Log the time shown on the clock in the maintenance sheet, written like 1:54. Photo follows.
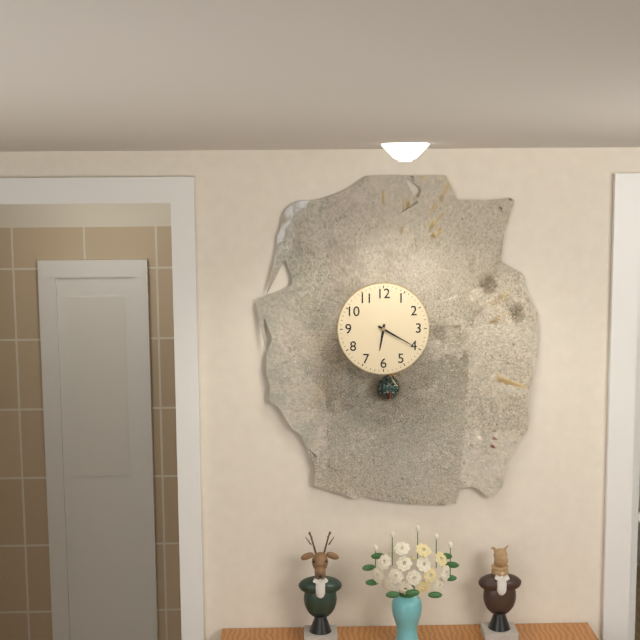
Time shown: 6:20
